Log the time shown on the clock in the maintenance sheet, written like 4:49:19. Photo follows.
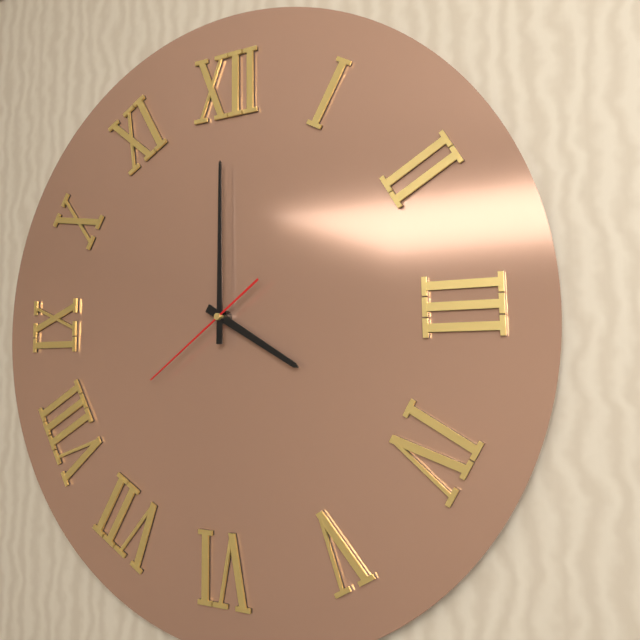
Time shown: 4:00:39
